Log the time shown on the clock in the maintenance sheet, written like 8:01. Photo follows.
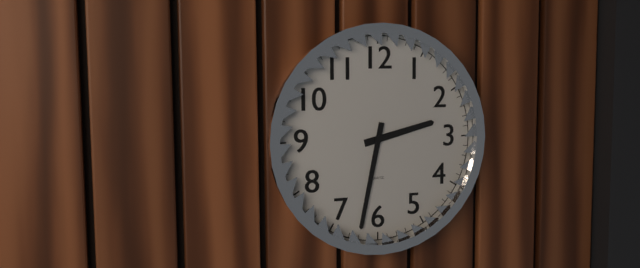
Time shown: 2:32
